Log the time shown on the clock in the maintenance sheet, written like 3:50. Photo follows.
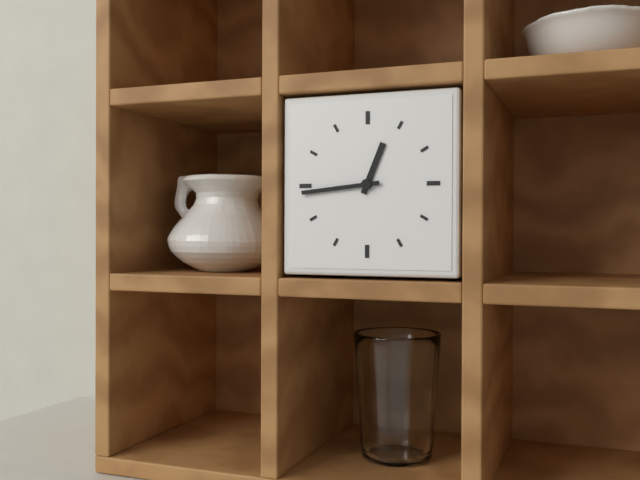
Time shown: 12:44
